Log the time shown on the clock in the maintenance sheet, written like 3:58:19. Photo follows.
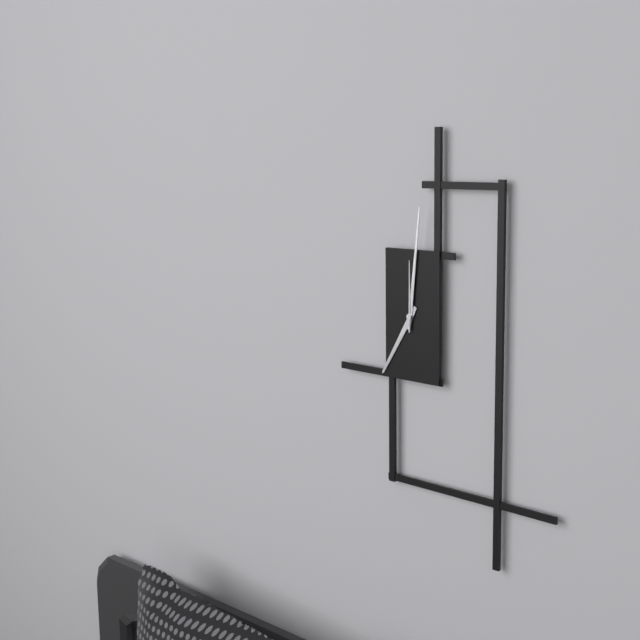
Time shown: 7:01:00
